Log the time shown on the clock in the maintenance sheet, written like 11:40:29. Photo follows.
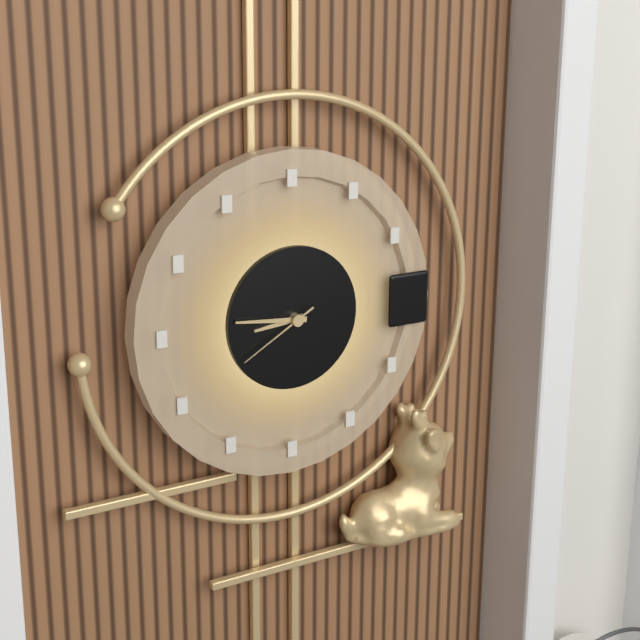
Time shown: 8:46:40
